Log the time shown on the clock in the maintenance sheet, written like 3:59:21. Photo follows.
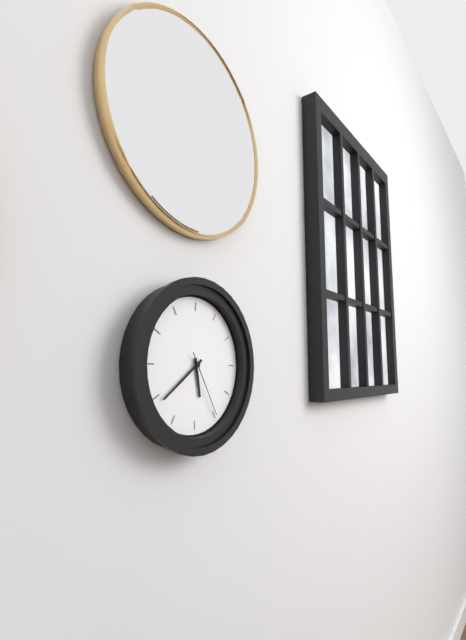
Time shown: 5:39:25
